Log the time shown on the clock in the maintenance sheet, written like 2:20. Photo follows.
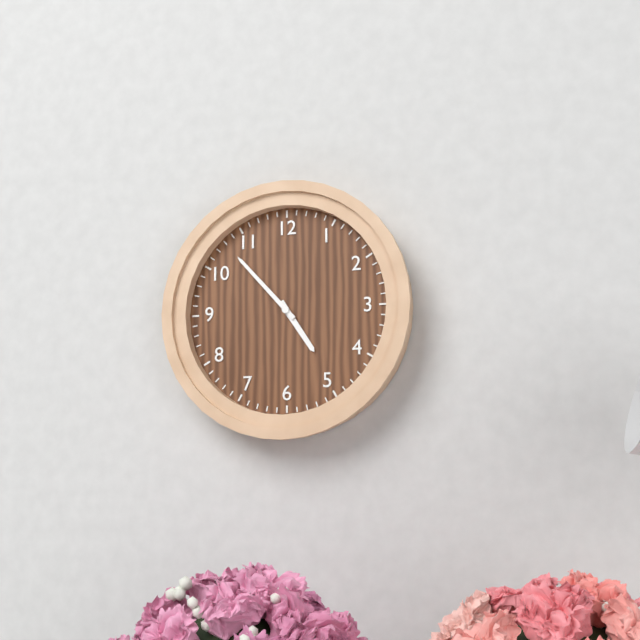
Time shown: 4:53
